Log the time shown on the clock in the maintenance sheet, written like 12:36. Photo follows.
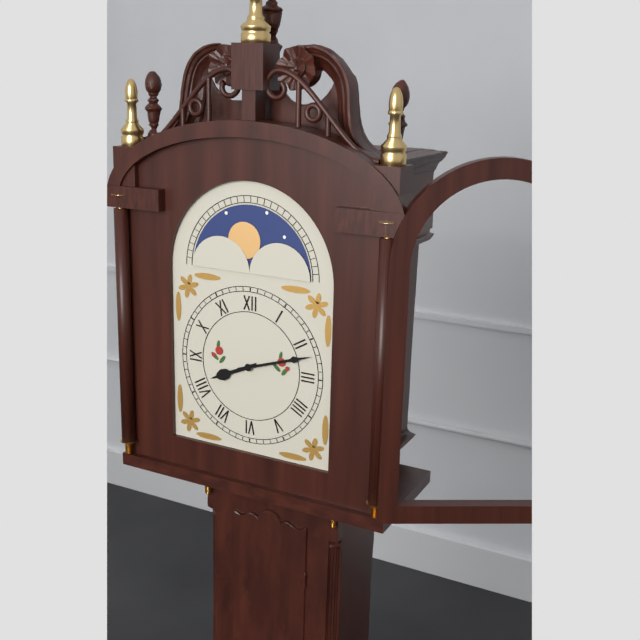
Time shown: 8:12
